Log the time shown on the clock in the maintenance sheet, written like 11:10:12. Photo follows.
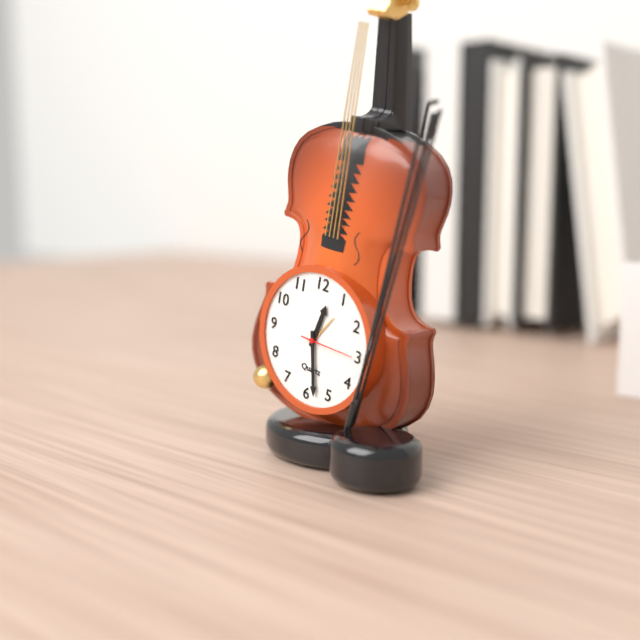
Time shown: 12:28:15
